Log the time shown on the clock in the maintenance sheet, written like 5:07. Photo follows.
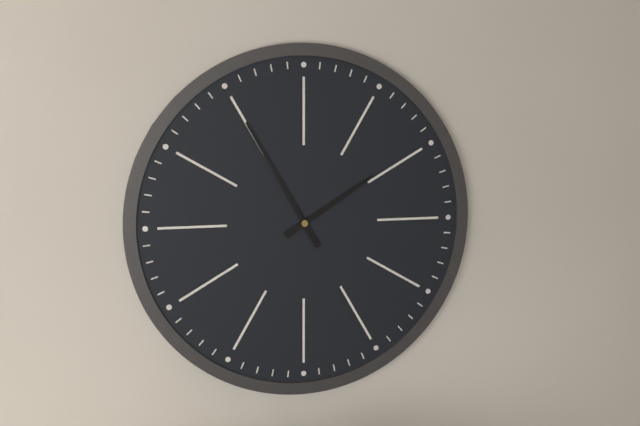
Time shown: 1:55
